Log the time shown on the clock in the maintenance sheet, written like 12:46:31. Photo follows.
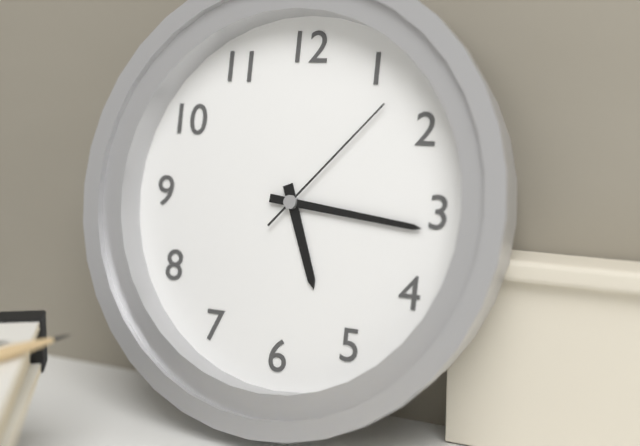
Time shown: 5:16:07
